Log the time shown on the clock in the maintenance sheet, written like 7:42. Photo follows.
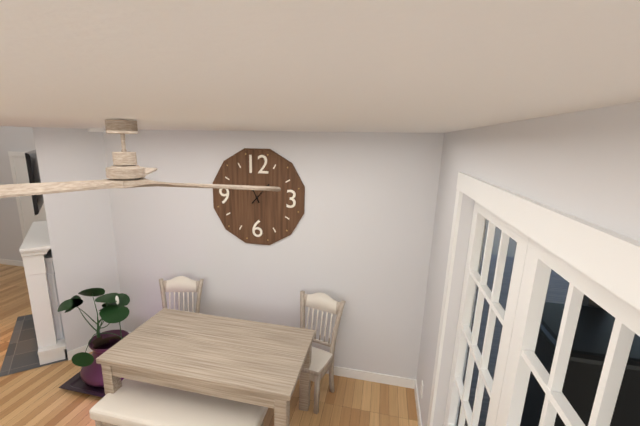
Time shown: 11:07
